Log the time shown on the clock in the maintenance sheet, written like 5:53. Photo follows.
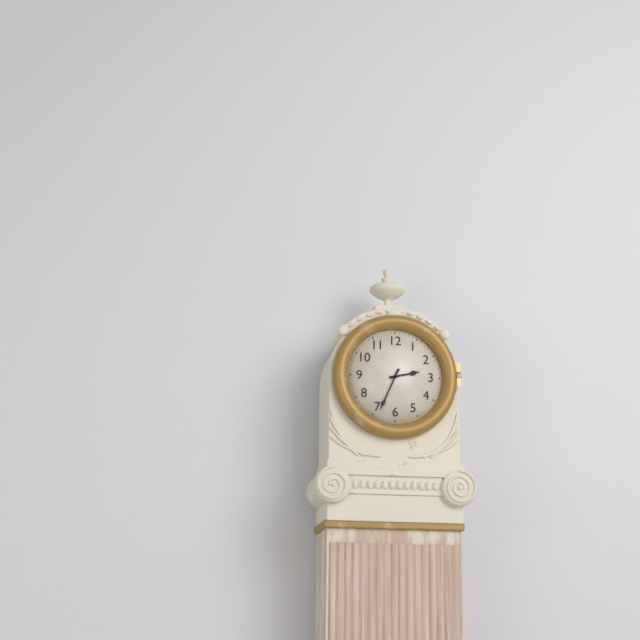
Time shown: 2:34
